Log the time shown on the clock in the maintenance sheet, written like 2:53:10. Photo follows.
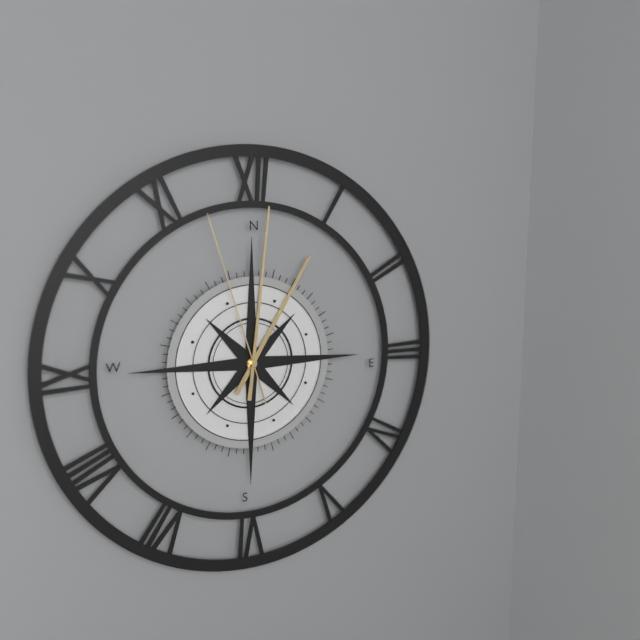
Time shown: 1:01:57
